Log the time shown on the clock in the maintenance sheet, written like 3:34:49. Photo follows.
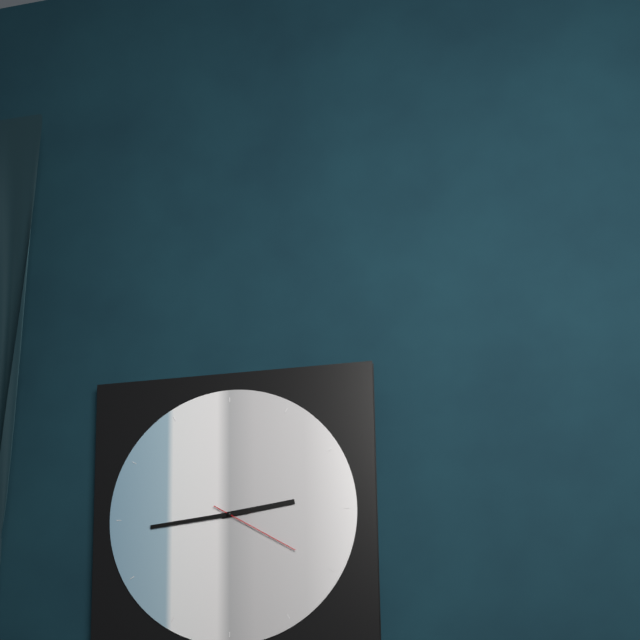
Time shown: 2:44:20
